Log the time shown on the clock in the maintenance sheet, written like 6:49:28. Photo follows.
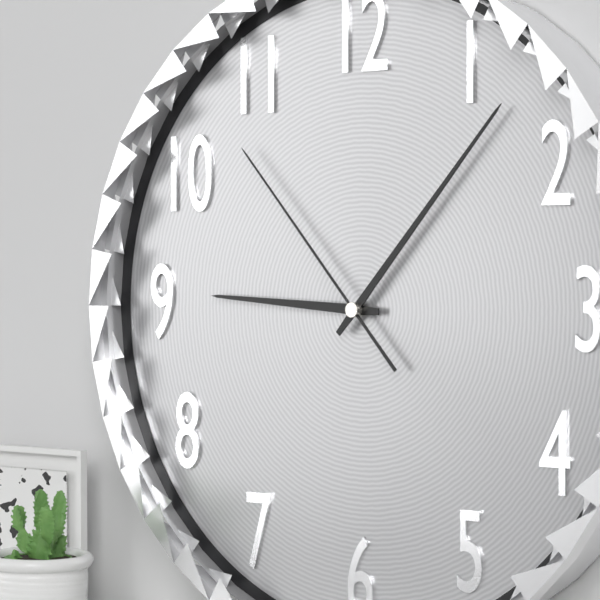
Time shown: 9:07:53
